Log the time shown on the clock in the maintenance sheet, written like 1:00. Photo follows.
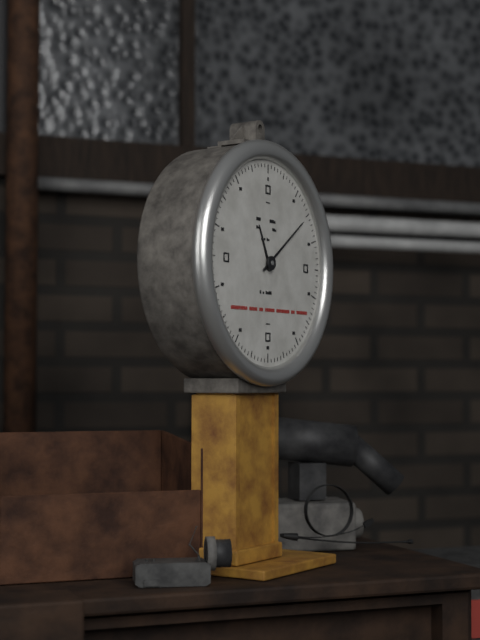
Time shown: 11:09
